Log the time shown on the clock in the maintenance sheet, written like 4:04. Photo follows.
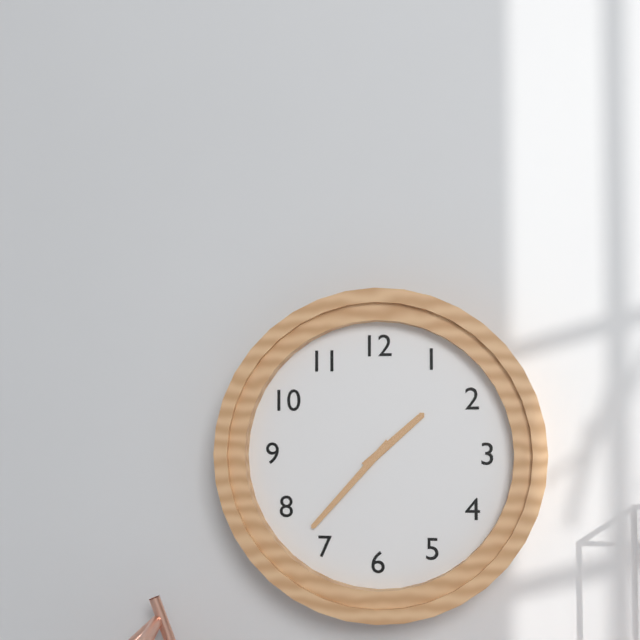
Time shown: 1:37
